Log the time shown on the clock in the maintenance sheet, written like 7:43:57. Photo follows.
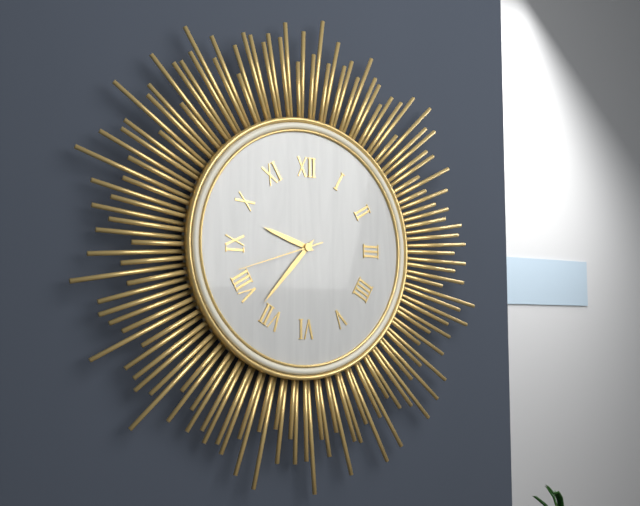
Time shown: 9:37:42
